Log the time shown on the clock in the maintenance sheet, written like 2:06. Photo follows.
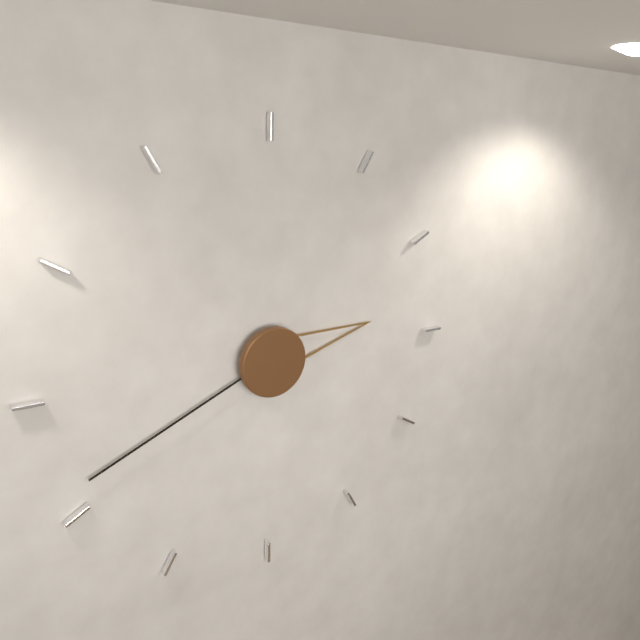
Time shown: 2:41
